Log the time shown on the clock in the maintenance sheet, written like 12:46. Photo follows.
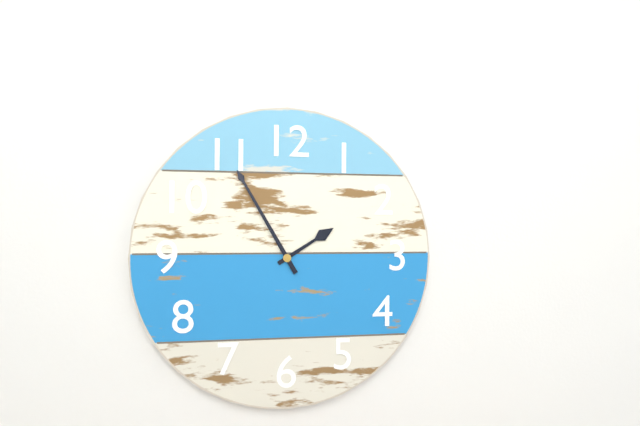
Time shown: 1:55
